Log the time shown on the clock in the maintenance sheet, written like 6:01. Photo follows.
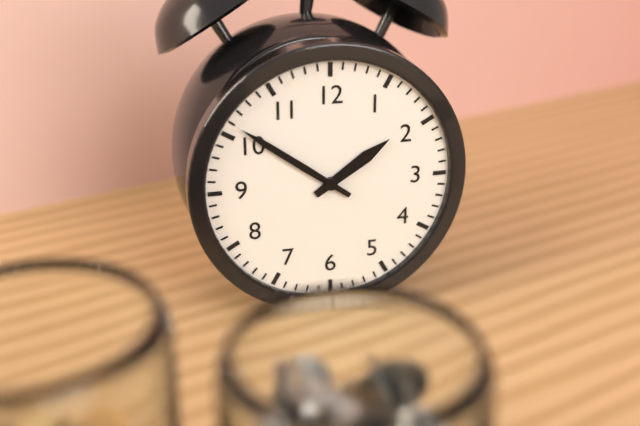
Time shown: 1:51
